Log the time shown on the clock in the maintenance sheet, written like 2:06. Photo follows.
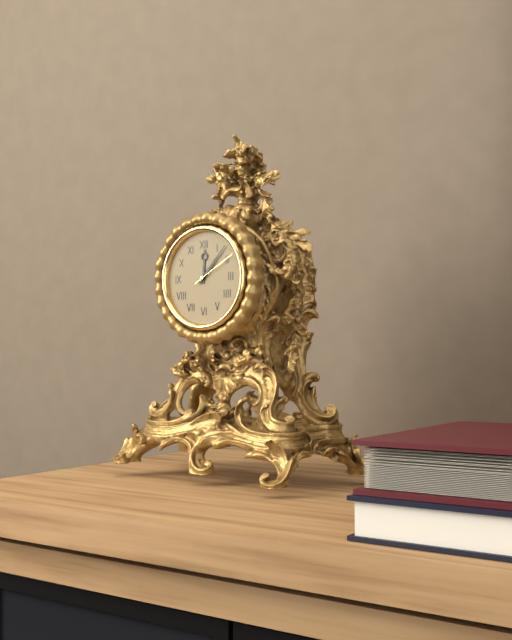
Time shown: 12:07
